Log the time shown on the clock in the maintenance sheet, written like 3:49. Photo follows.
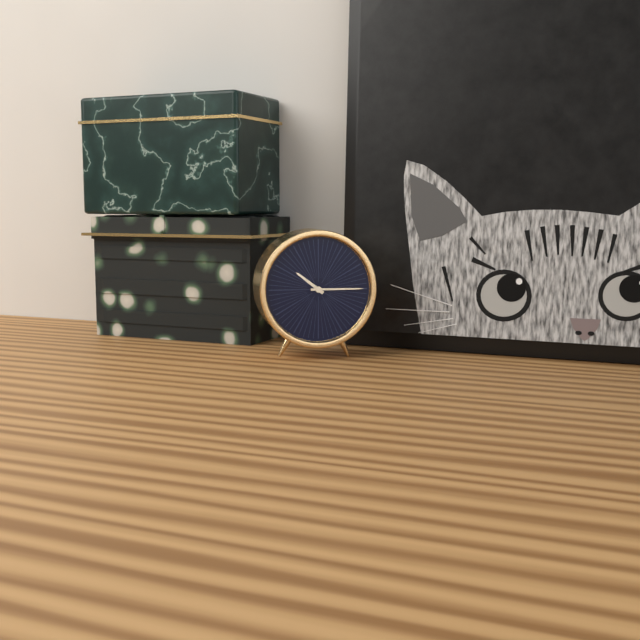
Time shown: 10:15
